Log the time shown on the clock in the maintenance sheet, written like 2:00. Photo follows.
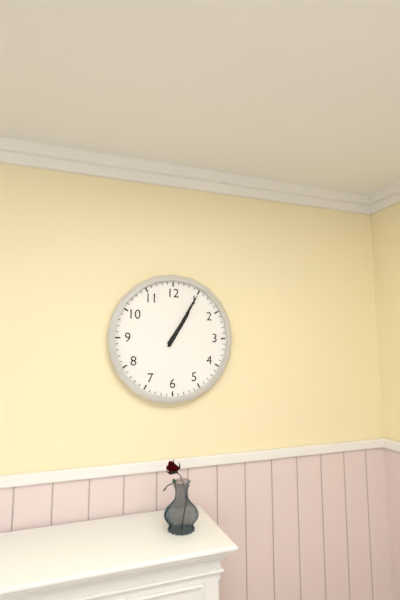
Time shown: 1:05
